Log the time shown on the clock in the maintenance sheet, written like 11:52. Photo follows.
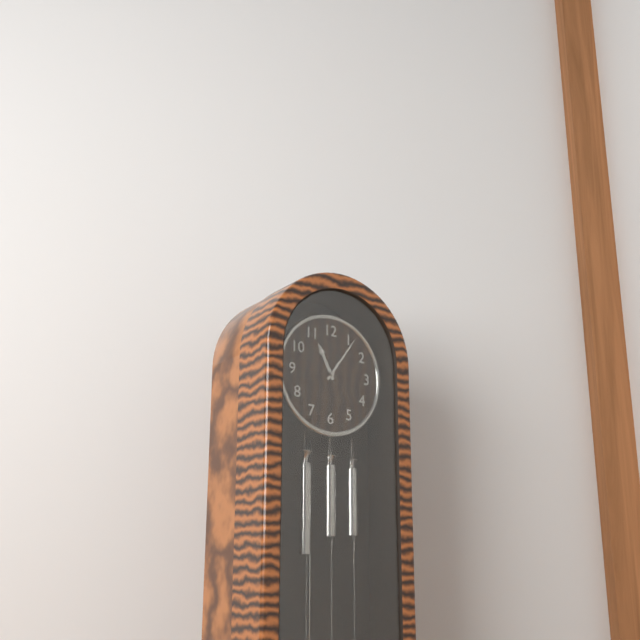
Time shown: 11:06
